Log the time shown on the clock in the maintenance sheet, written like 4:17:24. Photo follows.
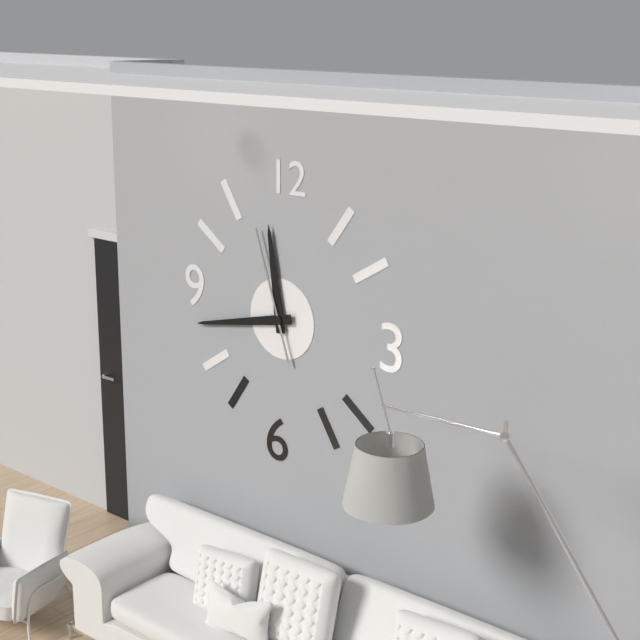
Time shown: 11:43:57
